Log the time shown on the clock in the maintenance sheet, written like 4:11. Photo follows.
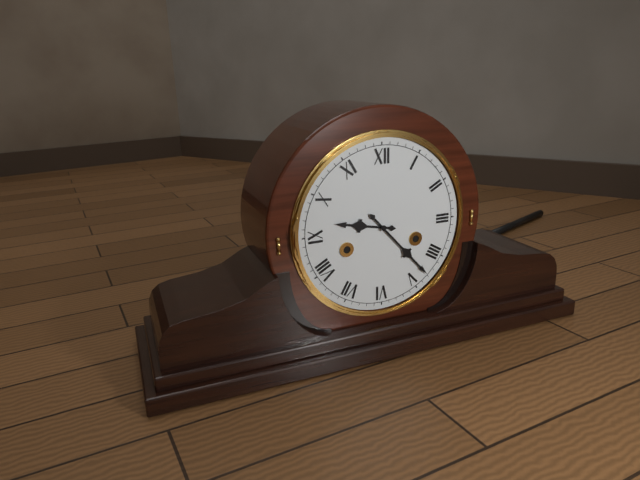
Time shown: 9:23
